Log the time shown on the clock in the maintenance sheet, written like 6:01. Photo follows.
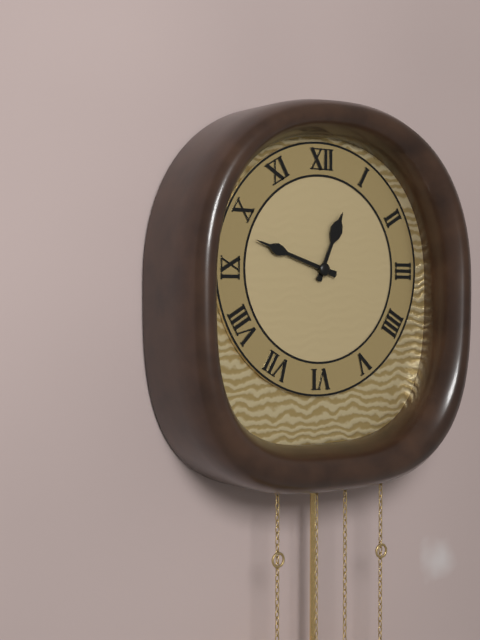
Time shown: 12:48
